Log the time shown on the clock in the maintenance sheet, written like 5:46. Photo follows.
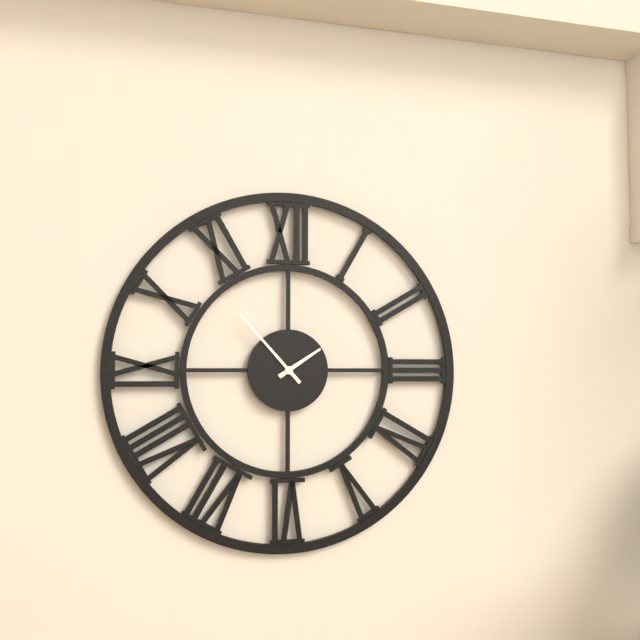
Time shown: 1:53
